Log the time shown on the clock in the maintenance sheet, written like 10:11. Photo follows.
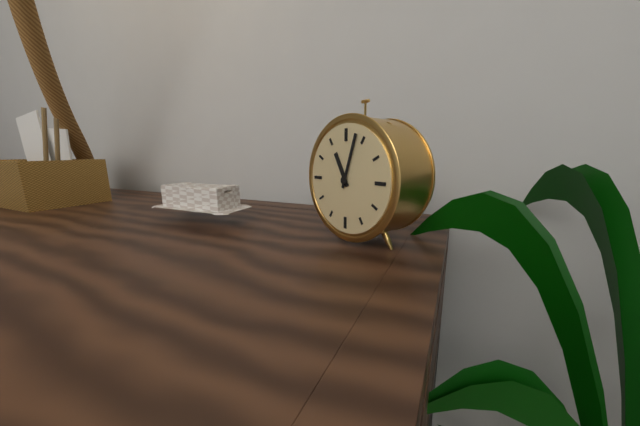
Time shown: 11:03
